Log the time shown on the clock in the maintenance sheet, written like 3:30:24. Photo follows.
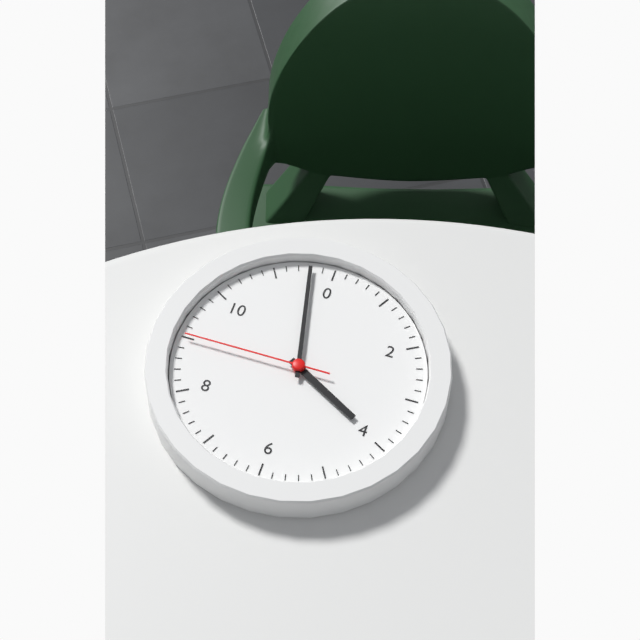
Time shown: 3:58:45
